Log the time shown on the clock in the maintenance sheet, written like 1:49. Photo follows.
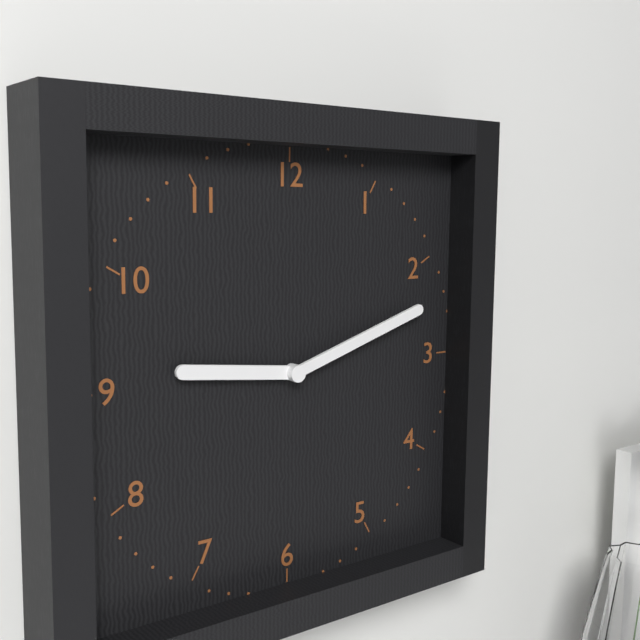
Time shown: 9:12
